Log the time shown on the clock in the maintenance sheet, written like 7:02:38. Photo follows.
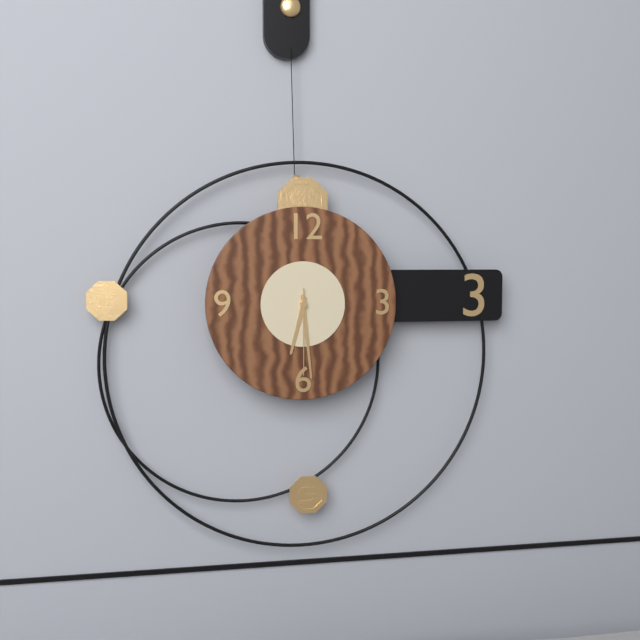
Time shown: 6:29:30
